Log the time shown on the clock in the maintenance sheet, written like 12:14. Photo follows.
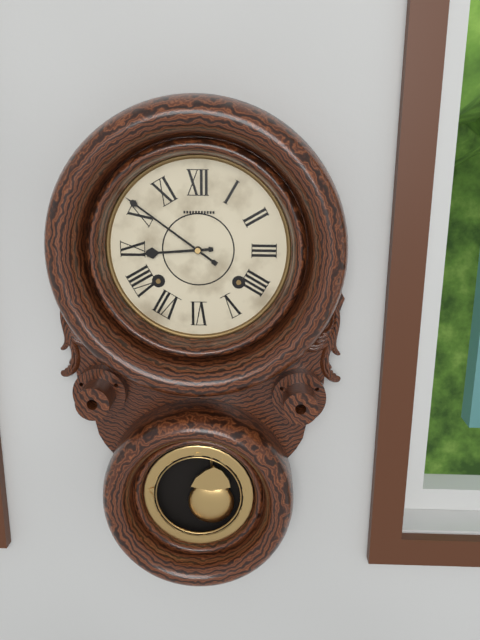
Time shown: 8:51
